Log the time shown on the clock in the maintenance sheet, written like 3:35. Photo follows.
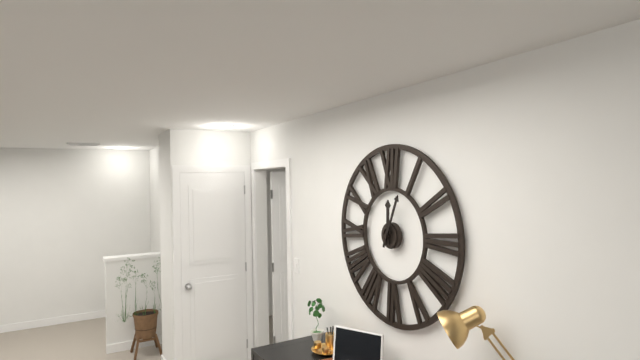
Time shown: 12:04
